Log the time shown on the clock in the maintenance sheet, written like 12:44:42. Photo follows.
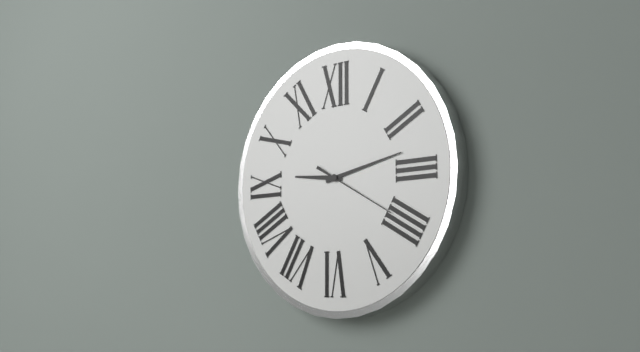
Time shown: 9:13:20
